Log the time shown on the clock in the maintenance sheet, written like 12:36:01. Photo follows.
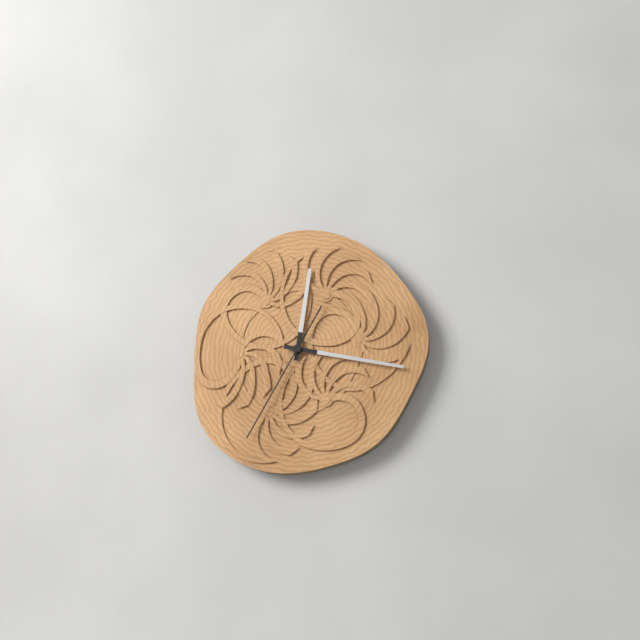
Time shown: 12:17:35
